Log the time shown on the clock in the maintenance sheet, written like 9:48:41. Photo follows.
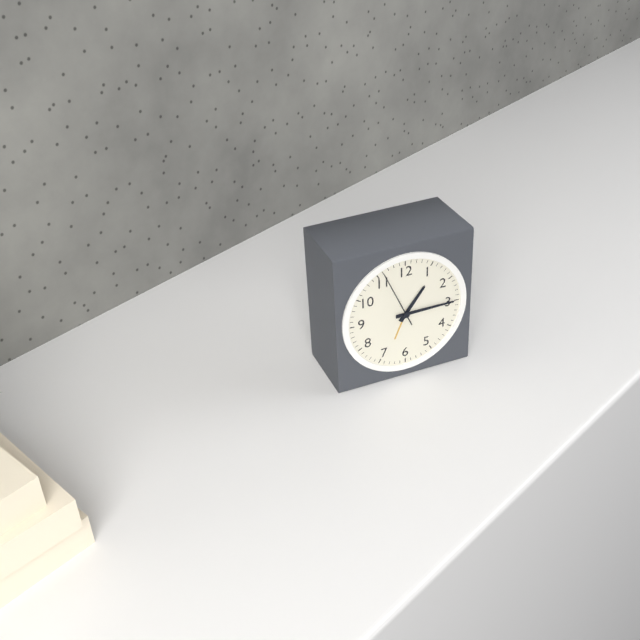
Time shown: 1:15:56
